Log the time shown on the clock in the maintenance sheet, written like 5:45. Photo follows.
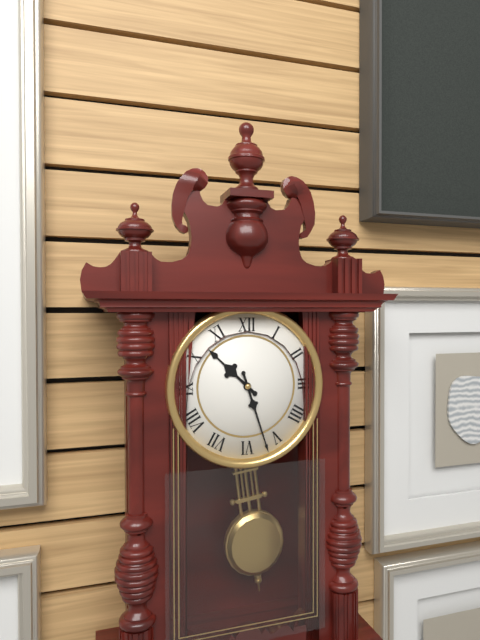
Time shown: 10:27
